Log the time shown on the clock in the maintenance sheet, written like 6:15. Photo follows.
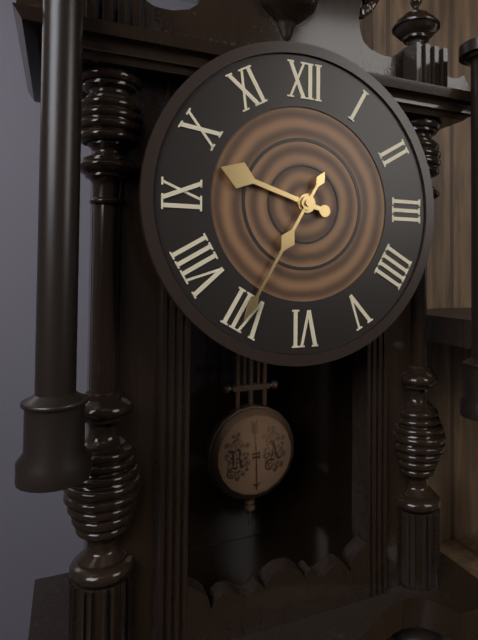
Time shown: 9:35
